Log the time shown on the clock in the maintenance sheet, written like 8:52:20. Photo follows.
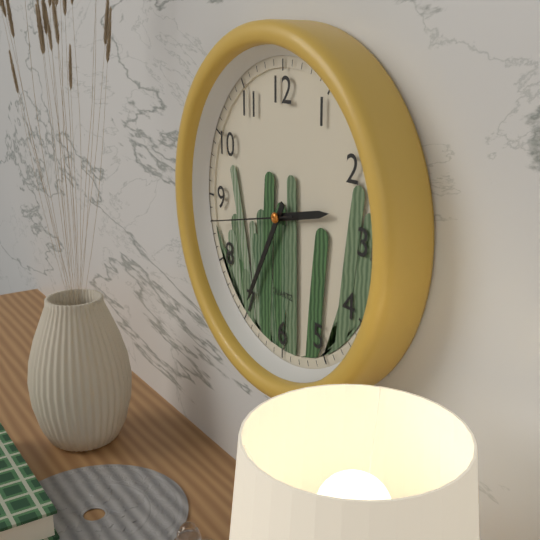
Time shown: 2:35:43
